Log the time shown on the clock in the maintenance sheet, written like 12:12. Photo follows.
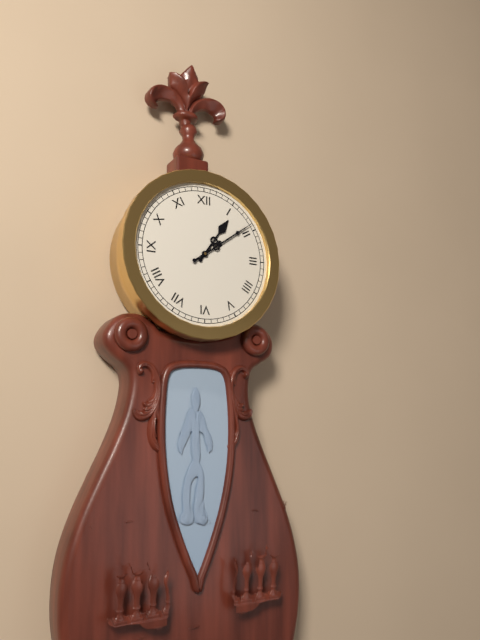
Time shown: 1:09
